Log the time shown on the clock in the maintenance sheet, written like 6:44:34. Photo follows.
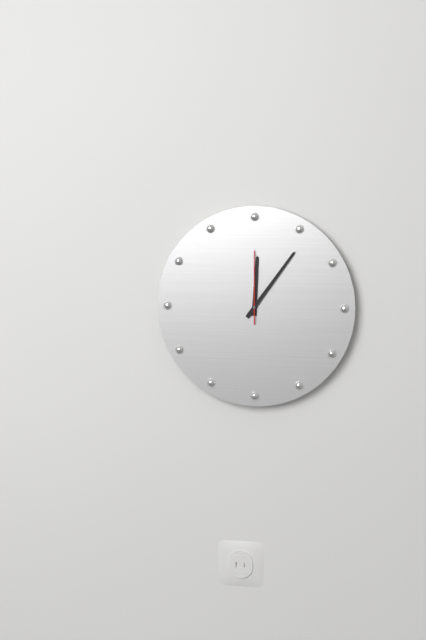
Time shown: 12:06:00
